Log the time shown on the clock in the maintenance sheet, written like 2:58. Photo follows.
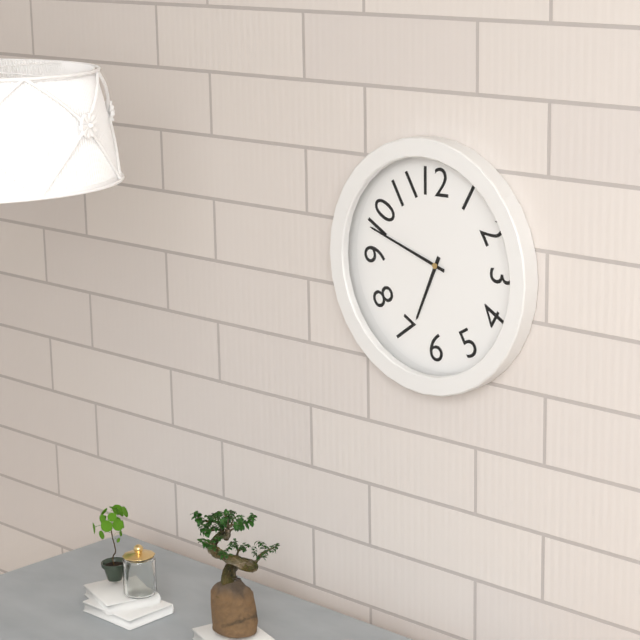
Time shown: 6:48
